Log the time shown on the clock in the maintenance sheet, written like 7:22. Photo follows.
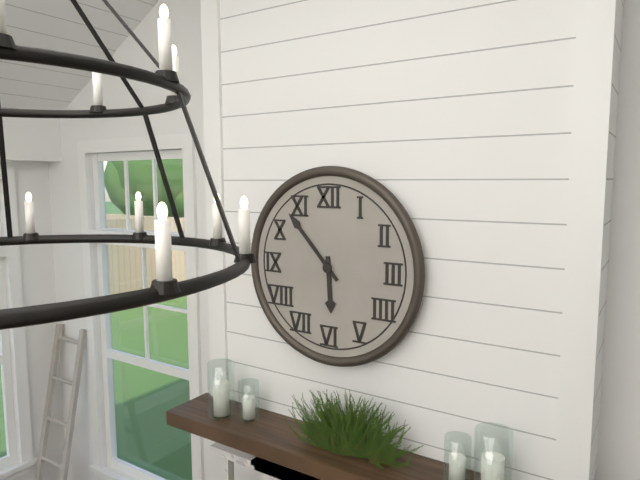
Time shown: 5:53
